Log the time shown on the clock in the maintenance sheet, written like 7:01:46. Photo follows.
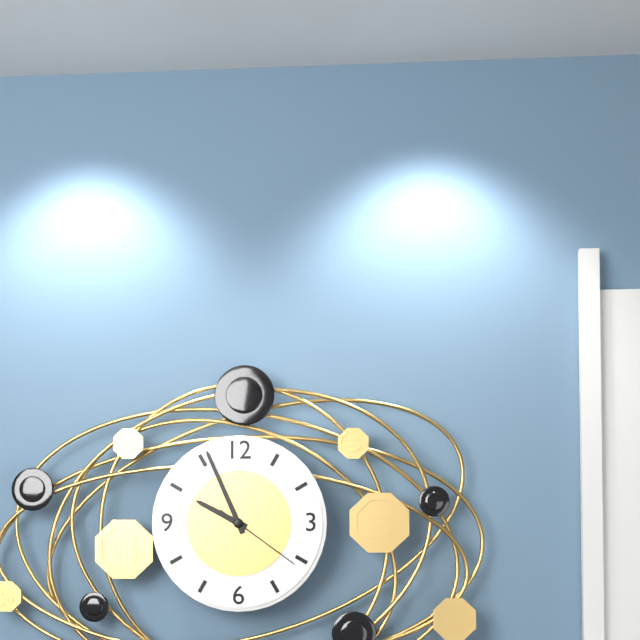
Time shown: 9:56:21
